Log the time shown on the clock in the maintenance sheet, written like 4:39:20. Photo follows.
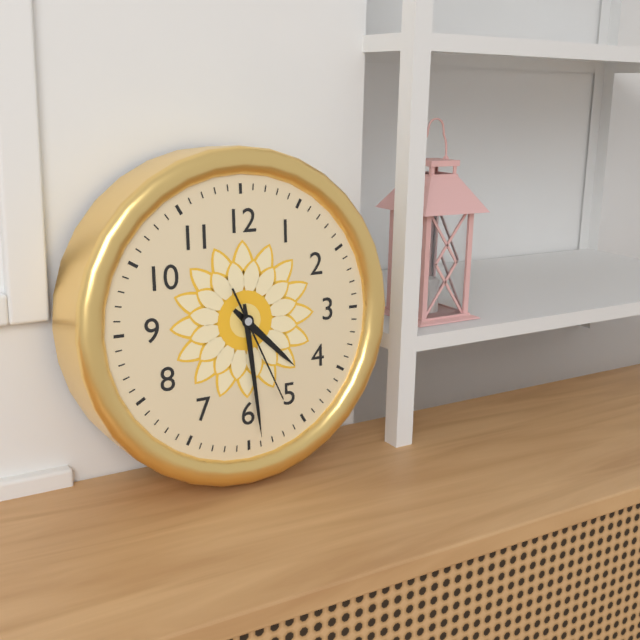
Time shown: 4:29:26
